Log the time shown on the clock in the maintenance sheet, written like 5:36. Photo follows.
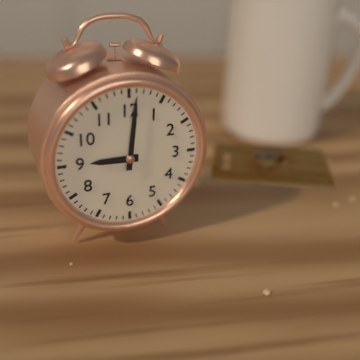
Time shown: 9:01
